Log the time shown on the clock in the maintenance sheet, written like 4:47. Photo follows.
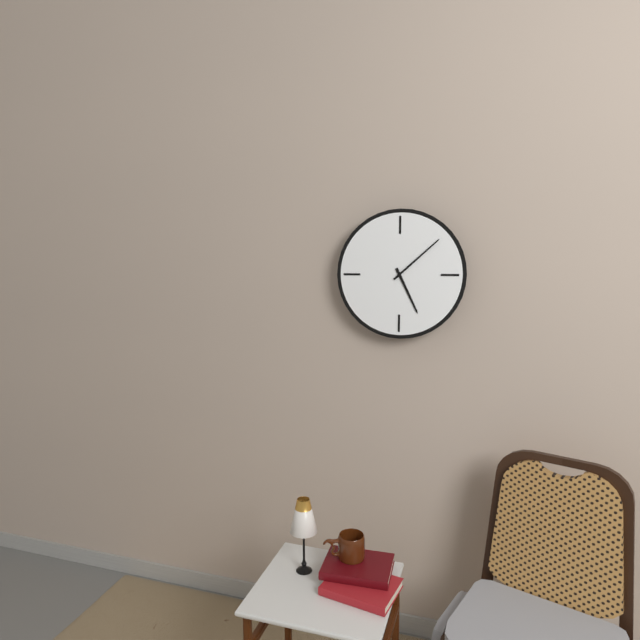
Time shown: 5:08
